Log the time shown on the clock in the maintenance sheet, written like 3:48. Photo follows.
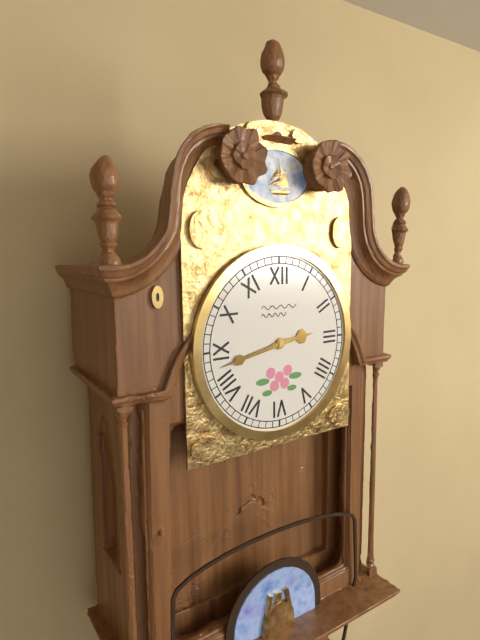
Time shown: 2:43
